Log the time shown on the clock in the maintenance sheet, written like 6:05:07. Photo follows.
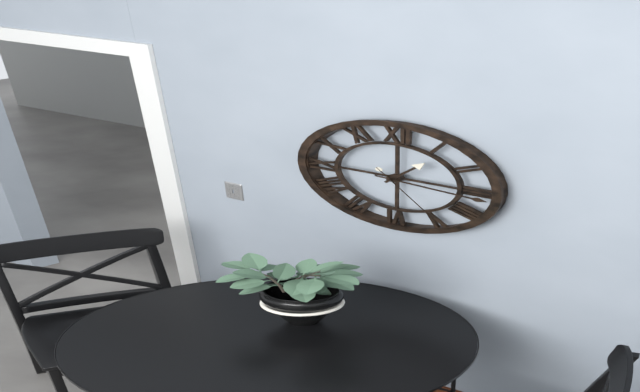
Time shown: 1:16:24
